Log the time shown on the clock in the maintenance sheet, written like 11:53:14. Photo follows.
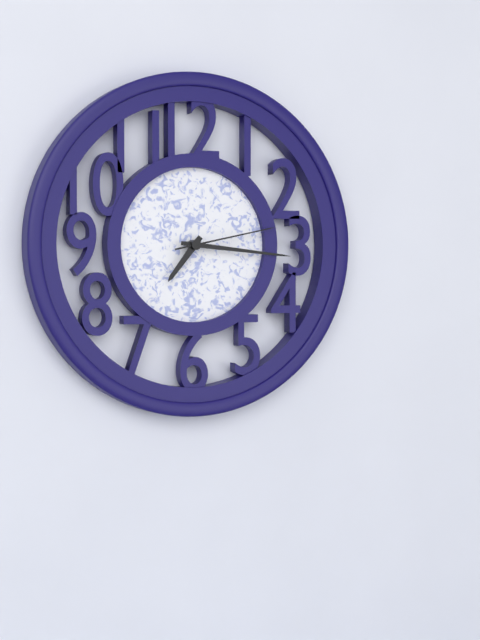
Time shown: 7:16:13
